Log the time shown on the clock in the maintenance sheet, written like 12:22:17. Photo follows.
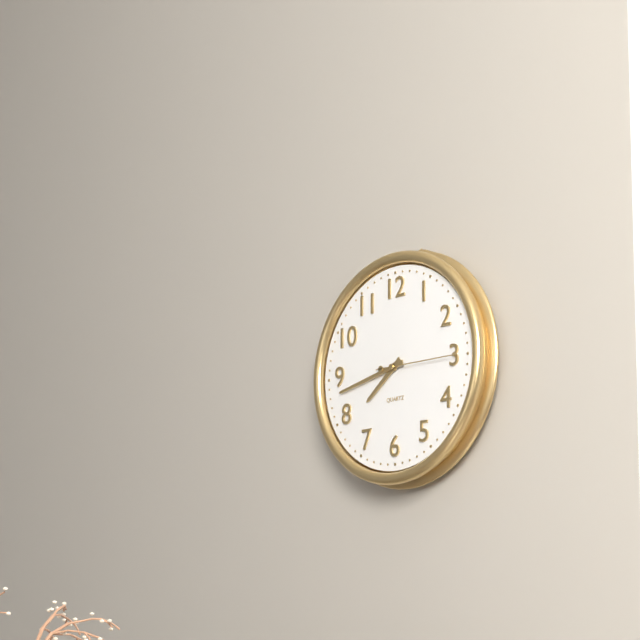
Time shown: 7:43:15
